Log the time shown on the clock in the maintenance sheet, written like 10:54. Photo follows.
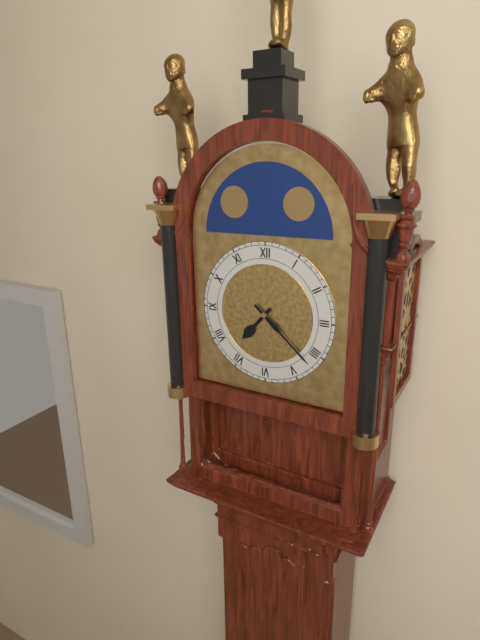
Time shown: 7:22
